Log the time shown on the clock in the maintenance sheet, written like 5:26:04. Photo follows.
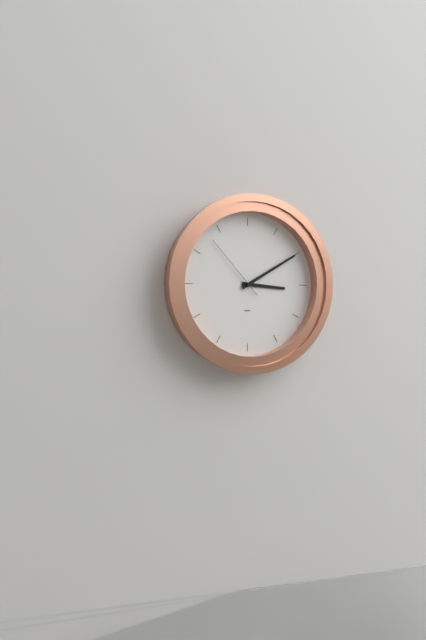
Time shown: 3:10:53
